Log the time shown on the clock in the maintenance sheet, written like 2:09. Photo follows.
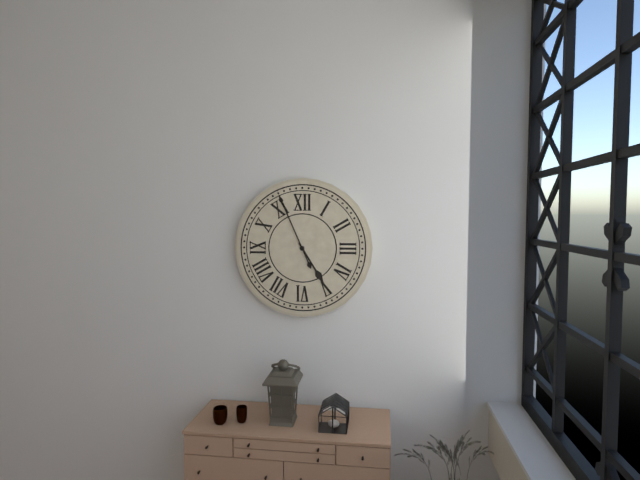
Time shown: 4:56
